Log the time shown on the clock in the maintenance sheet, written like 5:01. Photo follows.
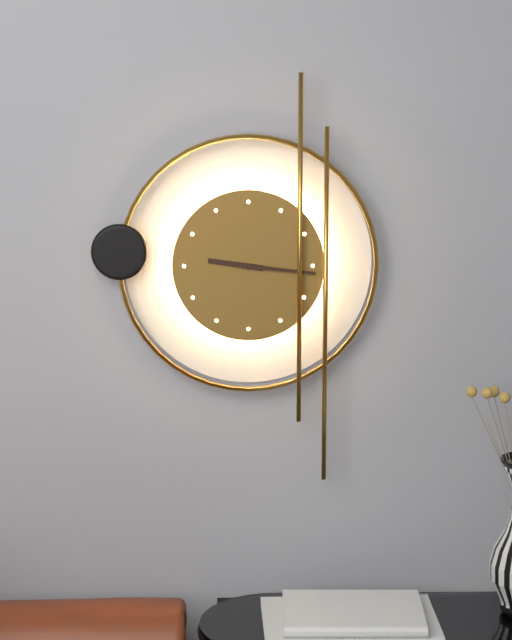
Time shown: 9:16
